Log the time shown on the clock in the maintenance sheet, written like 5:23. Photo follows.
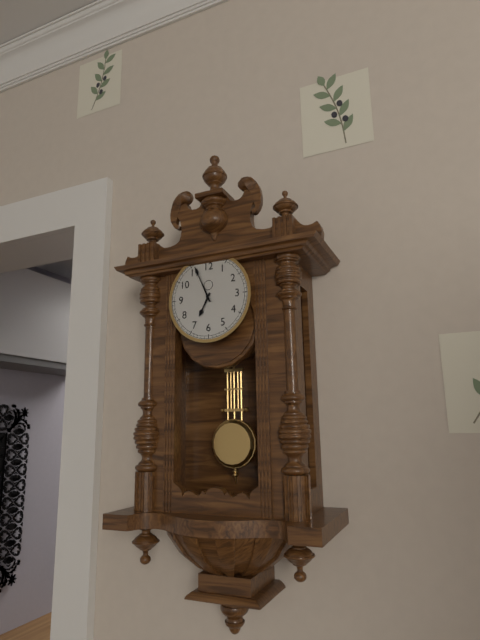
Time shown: 6:56
